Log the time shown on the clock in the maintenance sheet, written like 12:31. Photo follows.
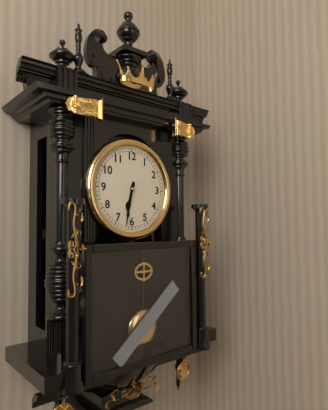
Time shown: 6:32
